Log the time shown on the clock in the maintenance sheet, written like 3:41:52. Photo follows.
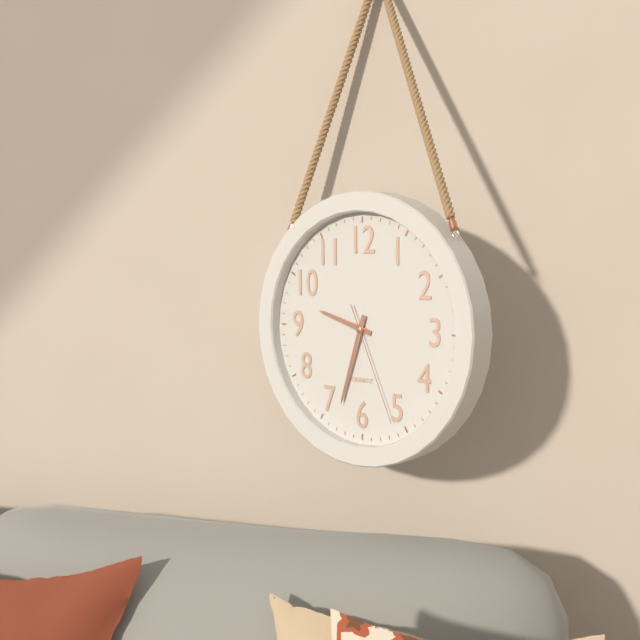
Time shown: 9:33:26
